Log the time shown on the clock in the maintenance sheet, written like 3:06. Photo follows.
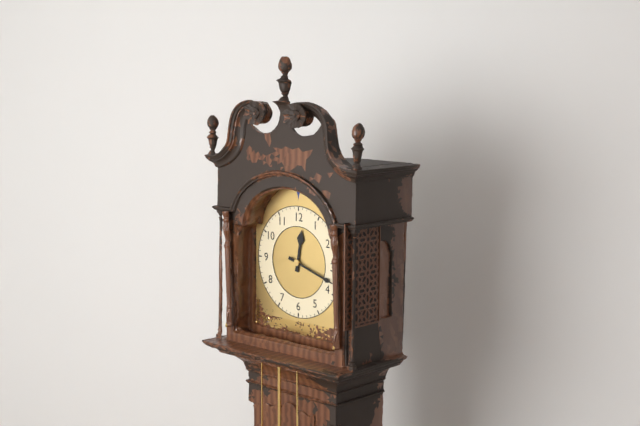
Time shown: 12:18
